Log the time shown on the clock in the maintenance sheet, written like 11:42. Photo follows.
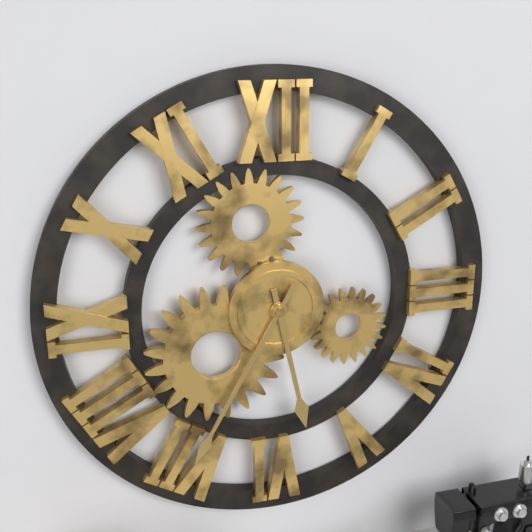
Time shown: 5:35
